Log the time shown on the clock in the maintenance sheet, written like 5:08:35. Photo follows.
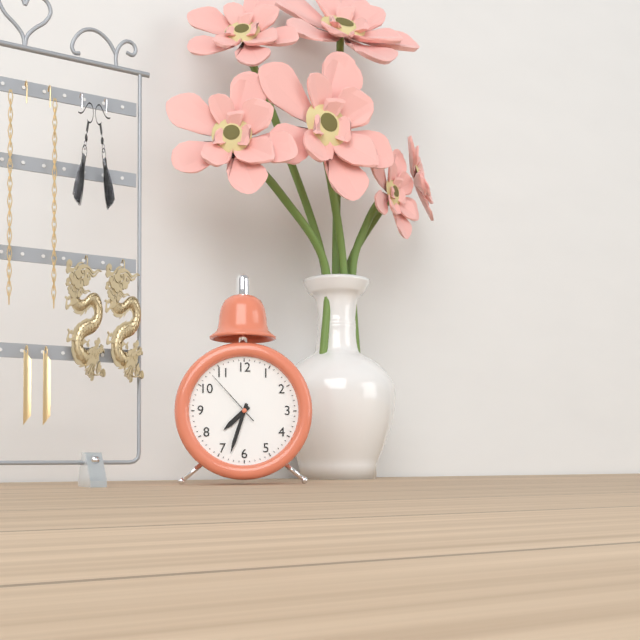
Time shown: 7:33:53
